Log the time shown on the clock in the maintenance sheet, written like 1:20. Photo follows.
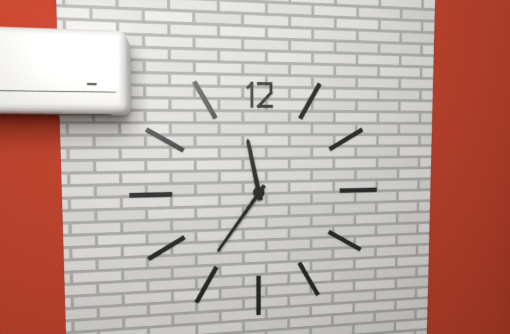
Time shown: 11:36
